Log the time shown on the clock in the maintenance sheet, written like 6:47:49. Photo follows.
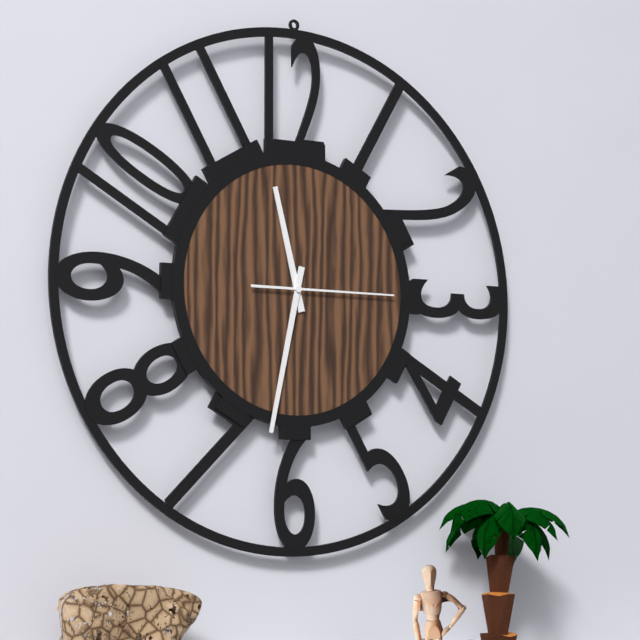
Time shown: 11:32:15
